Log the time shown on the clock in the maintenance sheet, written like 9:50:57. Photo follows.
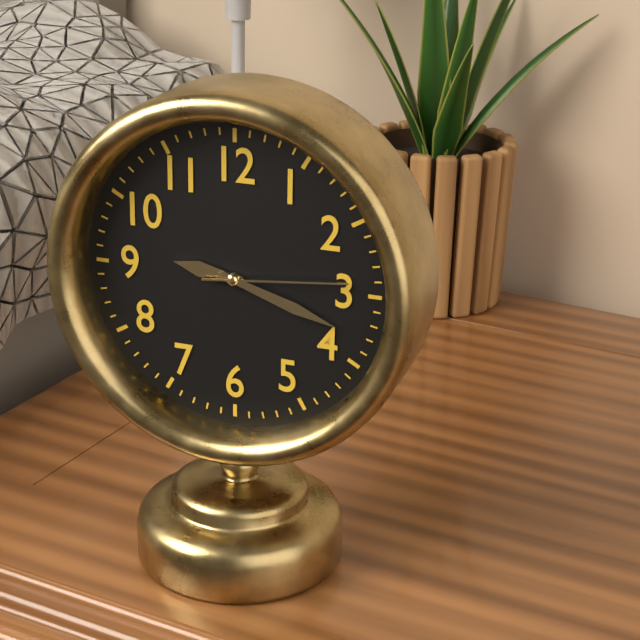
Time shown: 9:18:14
